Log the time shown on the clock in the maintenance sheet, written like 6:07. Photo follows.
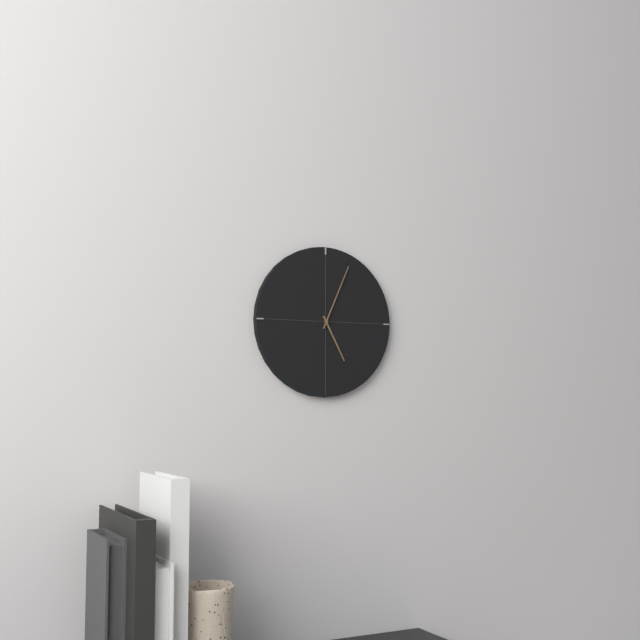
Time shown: 5:04
